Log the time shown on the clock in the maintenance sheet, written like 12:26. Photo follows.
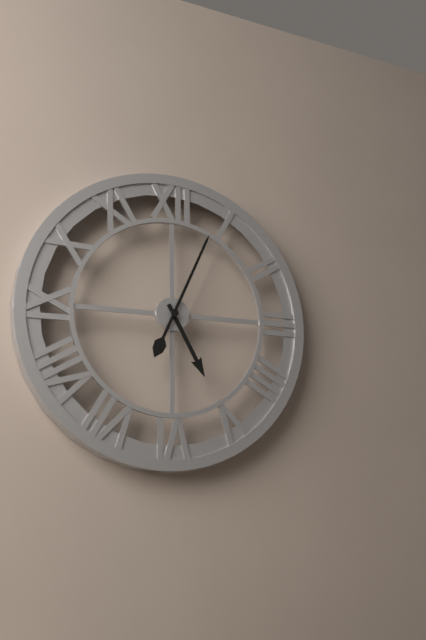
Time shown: 5:04
